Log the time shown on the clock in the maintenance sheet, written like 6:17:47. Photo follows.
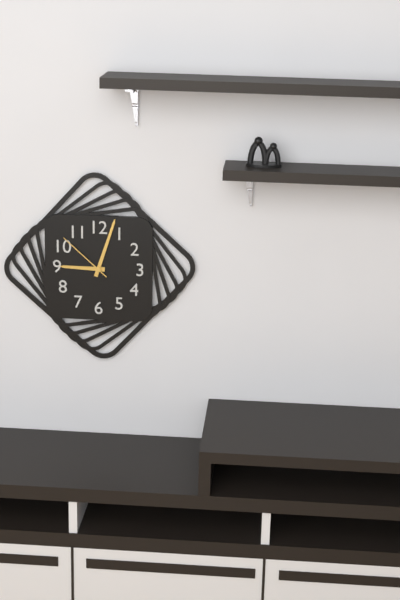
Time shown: 9:03:52
